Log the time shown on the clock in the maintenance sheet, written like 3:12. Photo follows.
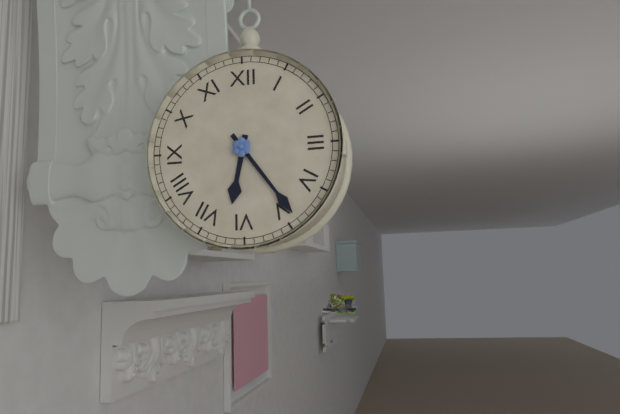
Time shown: 6:24
